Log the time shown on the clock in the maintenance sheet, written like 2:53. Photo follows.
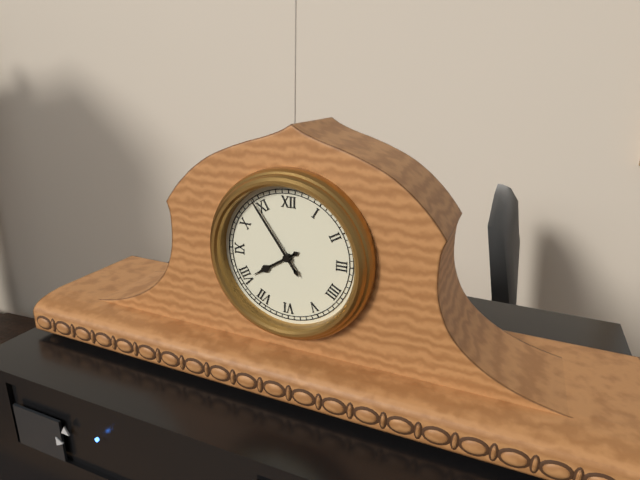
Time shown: 7:54
